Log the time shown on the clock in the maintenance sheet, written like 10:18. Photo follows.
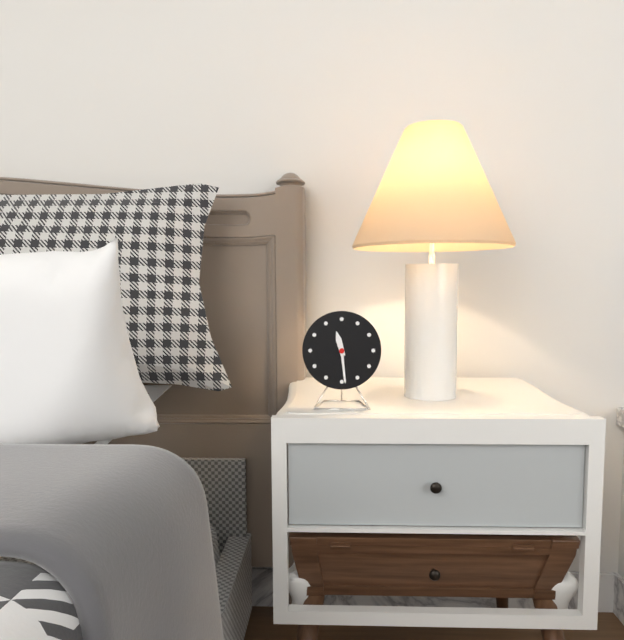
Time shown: 11:29
